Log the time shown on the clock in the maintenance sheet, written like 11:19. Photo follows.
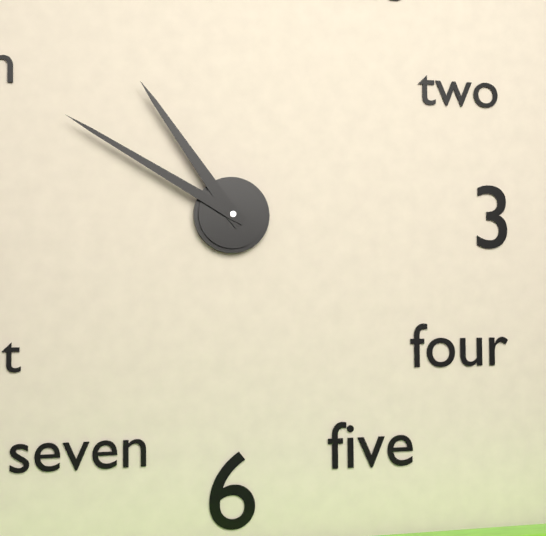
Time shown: 10:50
